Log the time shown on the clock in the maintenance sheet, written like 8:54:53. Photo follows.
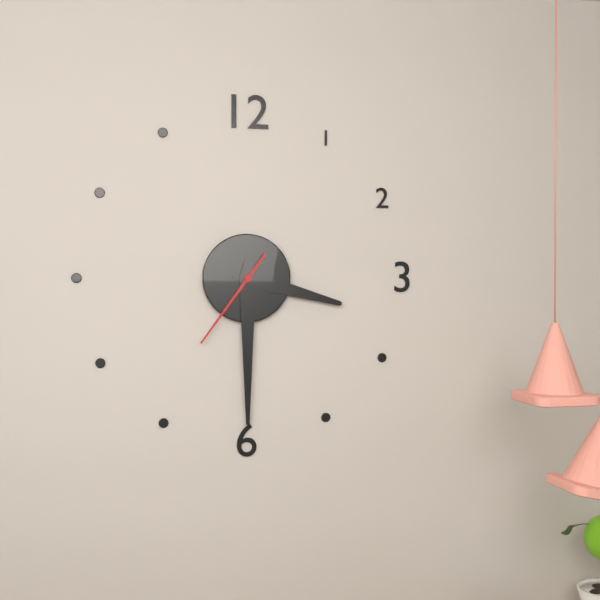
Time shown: 3:30:36
